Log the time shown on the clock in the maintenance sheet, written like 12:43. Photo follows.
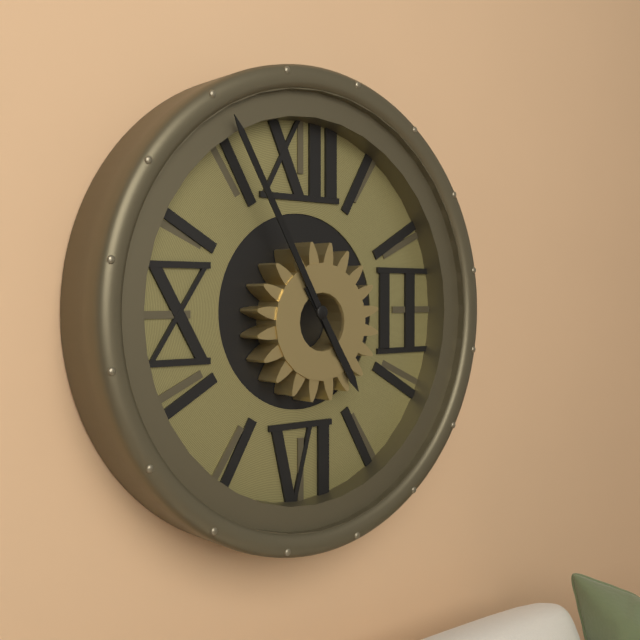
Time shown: 4:55
